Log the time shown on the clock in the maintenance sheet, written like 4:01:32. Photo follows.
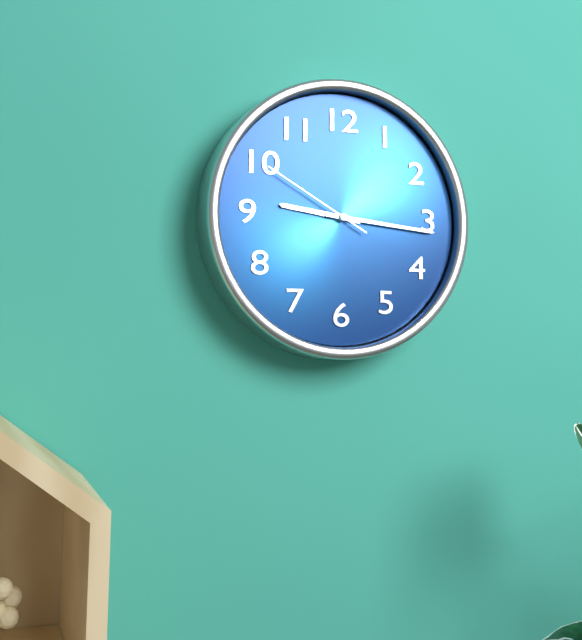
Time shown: 9:16:50
